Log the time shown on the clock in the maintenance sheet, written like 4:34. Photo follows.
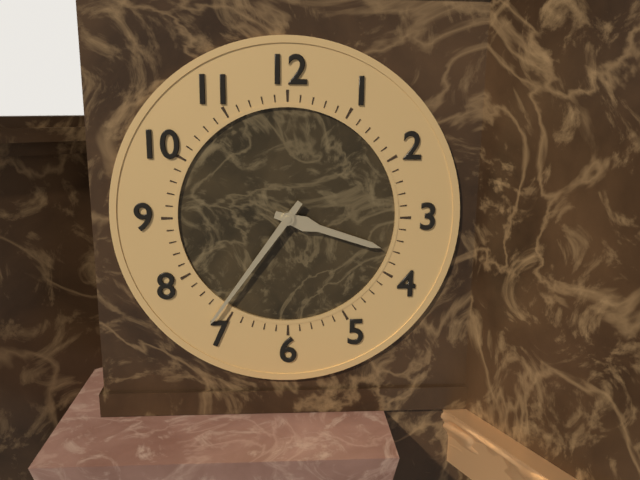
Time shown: 3:36
